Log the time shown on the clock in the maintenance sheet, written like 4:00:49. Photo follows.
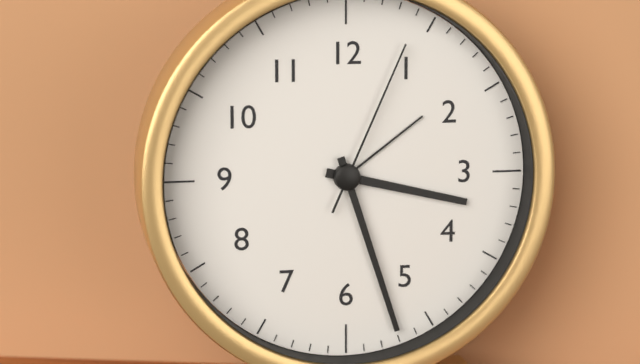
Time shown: 3:27:04
